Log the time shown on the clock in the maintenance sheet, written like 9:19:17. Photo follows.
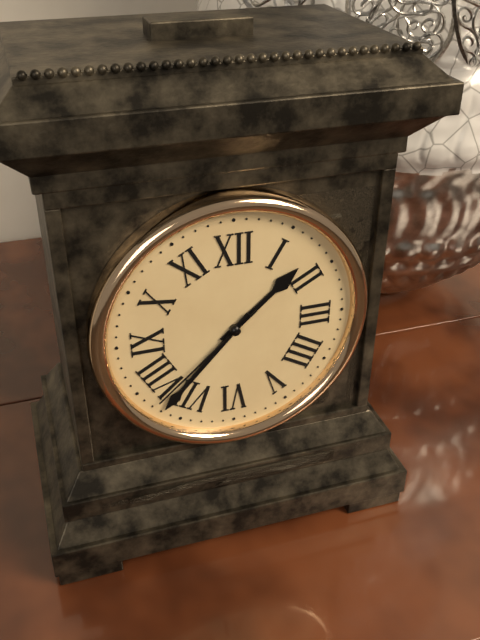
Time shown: 1:37:38
